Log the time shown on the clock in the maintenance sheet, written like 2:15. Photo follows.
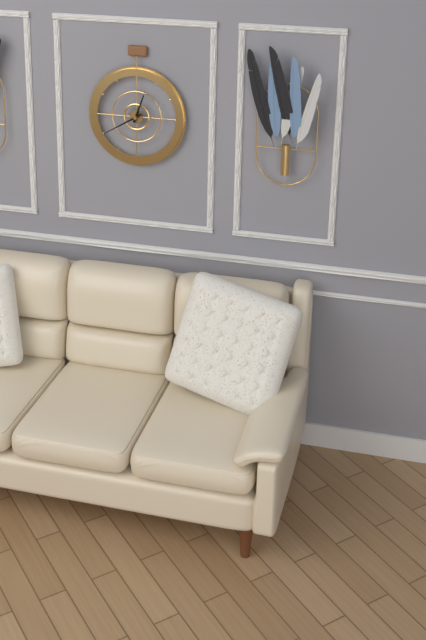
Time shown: 12:40
